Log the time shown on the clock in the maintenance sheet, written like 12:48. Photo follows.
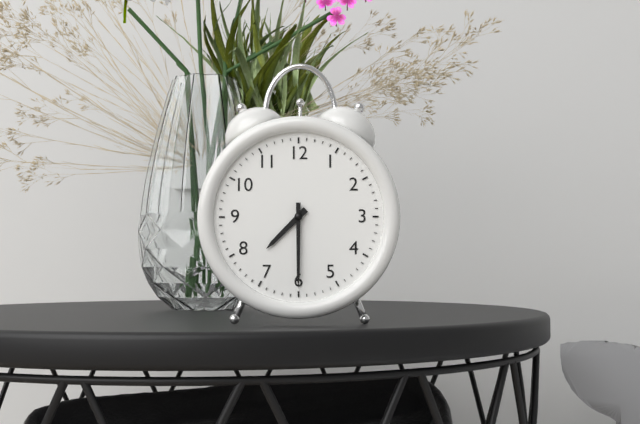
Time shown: 7:30
